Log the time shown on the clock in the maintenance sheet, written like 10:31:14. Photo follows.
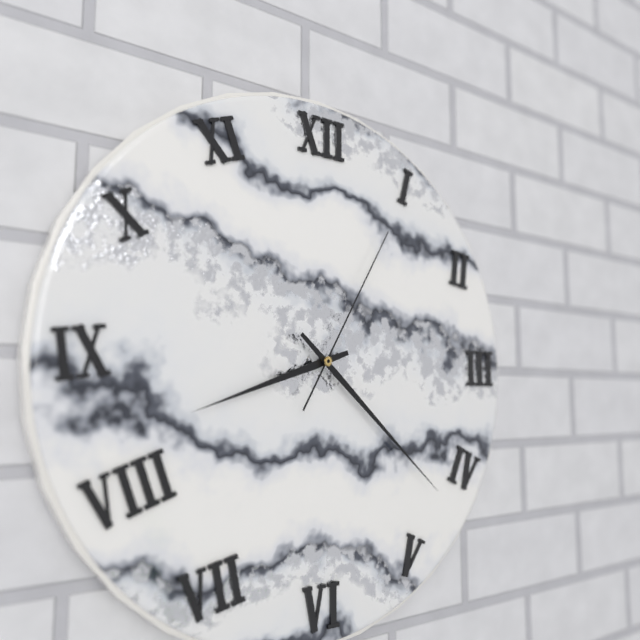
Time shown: 8:22:05
